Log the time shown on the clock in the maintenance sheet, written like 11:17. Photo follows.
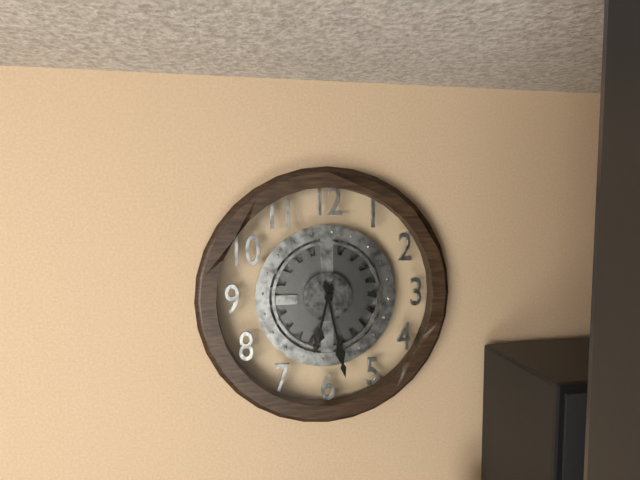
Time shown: 6:28
